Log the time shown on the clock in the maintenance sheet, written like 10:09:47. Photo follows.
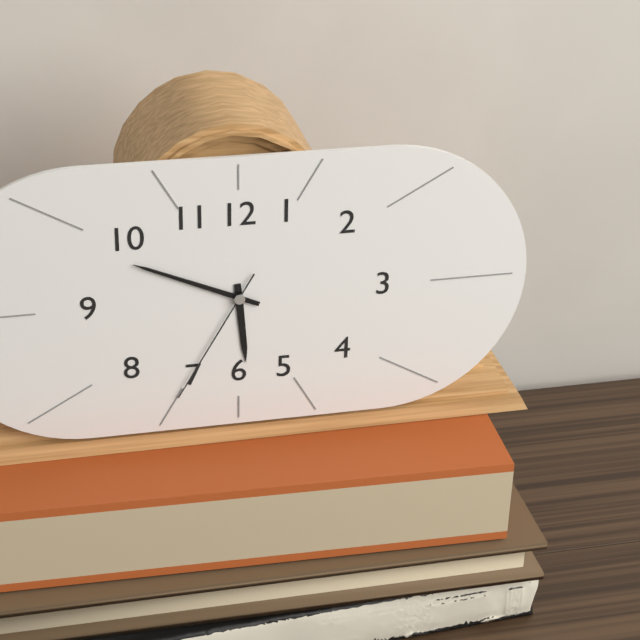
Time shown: 5:49:35
